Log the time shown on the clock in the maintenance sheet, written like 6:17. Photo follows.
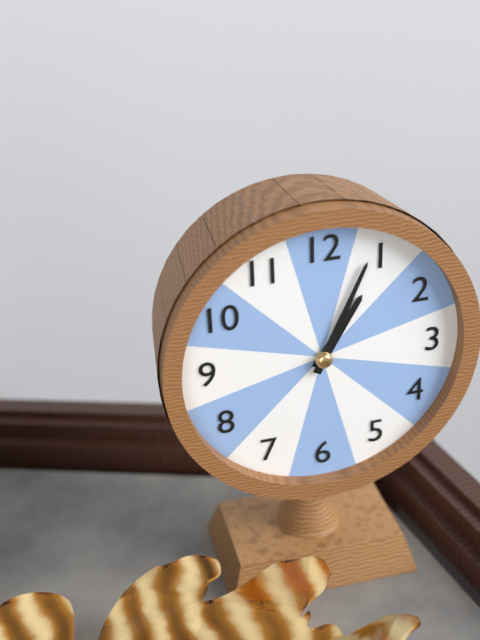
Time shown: 1:04
